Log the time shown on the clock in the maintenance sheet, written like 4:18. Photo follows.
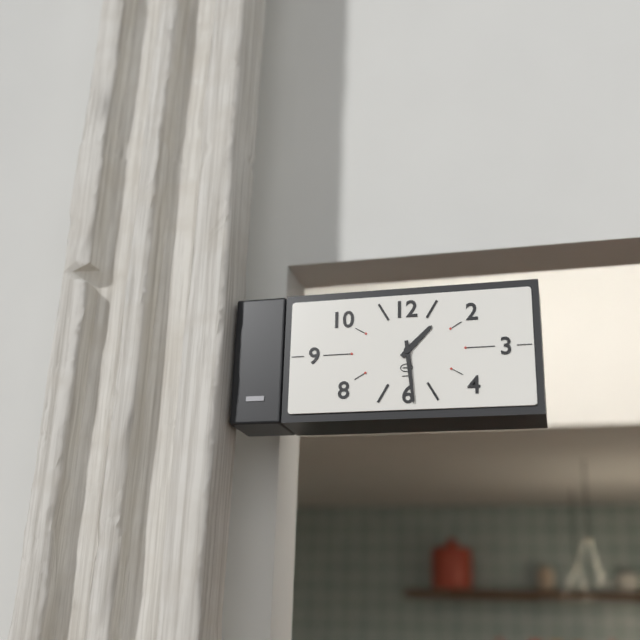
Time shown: 1:29
